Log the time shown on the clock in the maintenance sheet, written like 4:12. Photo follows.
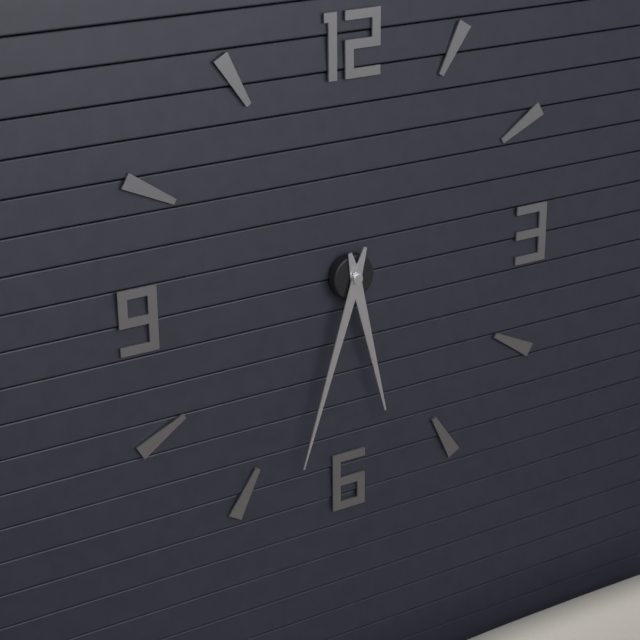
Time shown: 5:33
